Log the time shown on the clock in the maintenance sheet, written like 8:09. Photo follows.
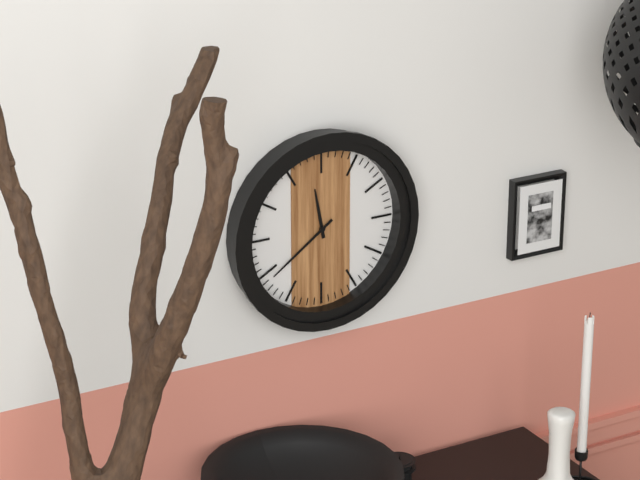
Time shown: 11:39
